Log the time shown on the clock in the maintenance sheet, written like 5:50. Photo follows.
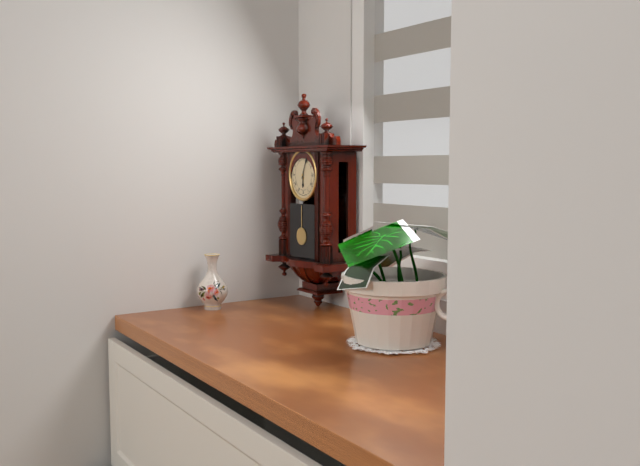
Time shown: 6:04
